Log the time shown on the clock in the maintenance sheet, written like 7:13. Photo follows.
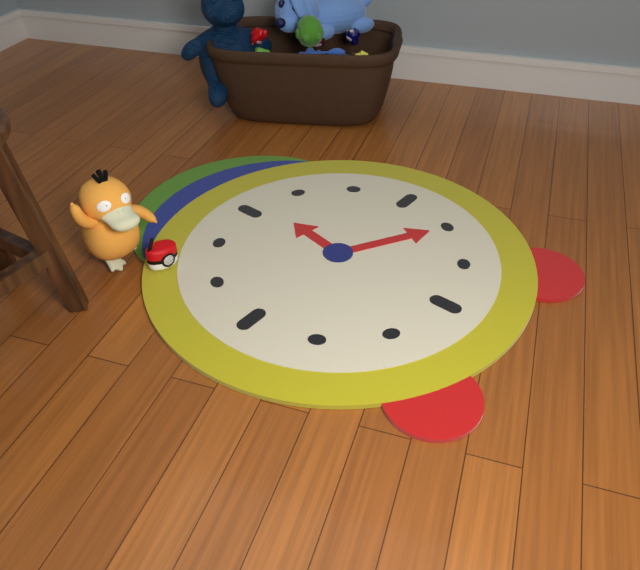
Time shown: 12:20
